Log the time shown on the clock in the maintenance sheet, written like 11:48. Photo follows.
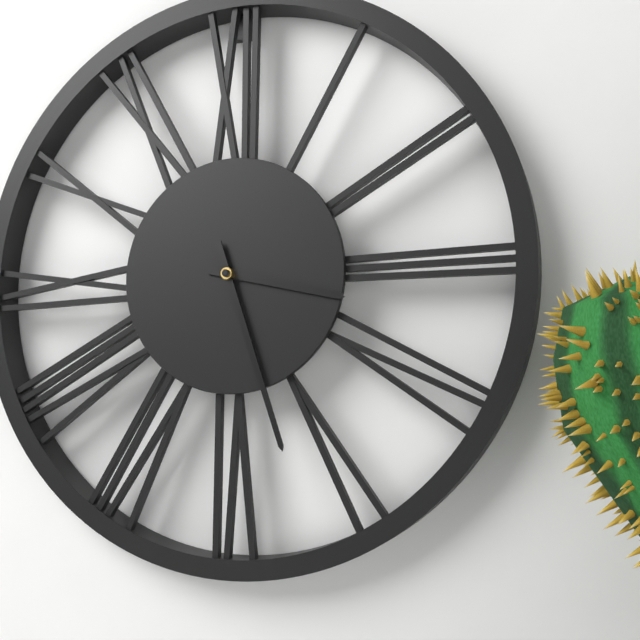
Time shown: 3:27
